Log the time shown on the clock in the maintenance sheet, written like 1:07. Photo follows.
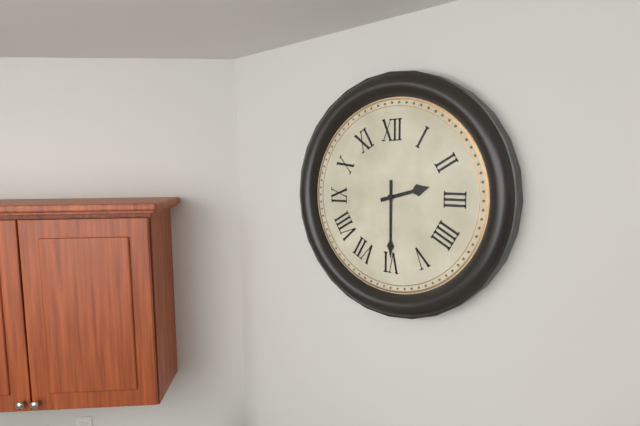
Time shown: 2:30
